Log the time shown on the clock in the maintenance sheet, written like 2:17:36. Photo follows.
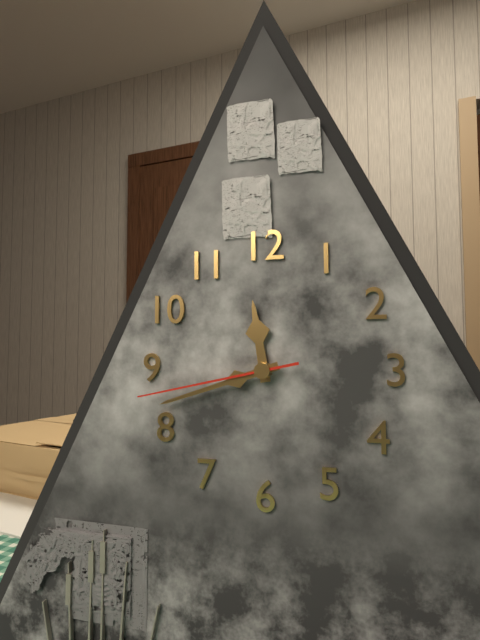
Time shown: 11:42:43
